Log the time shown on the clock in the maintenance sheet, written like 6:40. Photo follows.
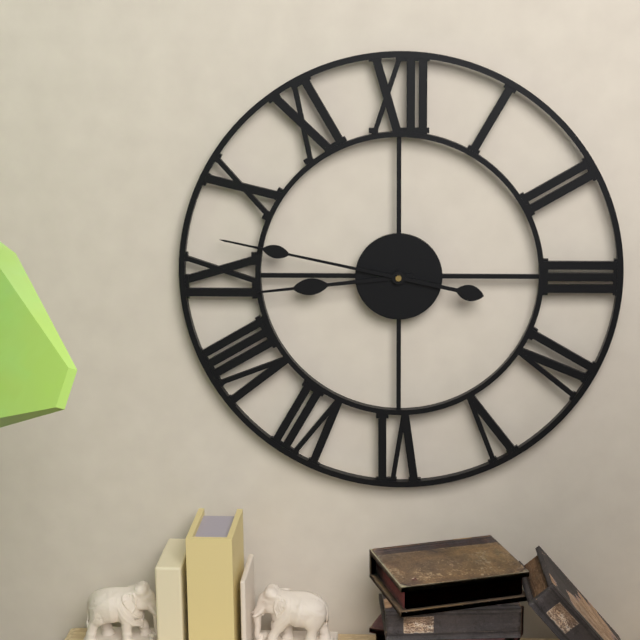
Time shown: 8:47
